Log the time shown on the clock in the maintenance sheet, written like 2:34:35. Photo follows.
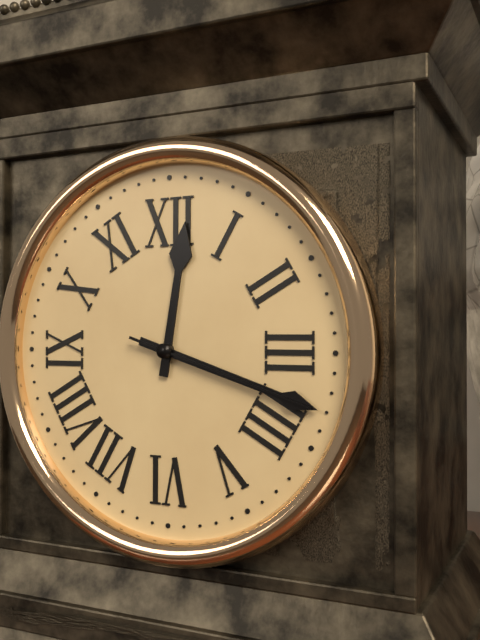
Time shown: 12:18:18
